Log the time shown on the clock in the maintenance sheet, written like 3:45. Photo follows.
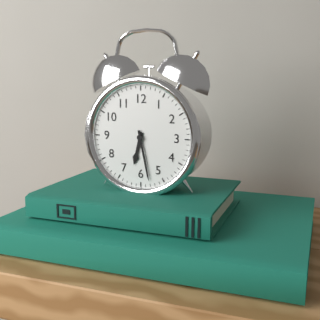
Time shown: 6:28
